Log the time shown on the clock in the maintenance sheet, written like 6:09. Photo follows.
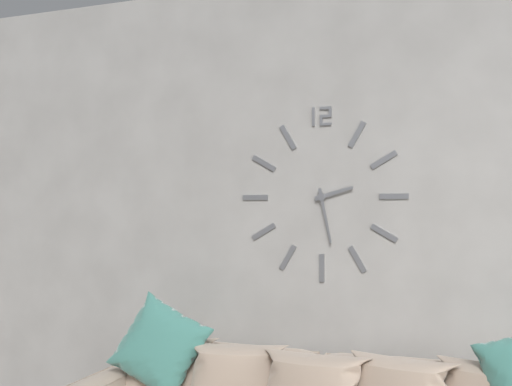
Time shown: 2:28
